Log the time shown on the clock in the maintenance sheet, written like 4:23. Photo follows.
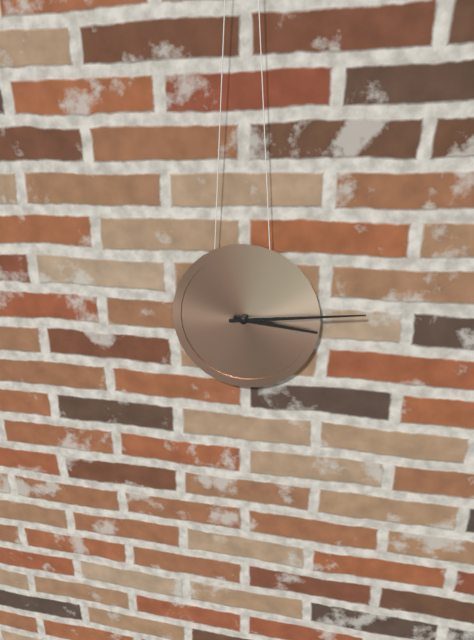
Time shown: 3:14
